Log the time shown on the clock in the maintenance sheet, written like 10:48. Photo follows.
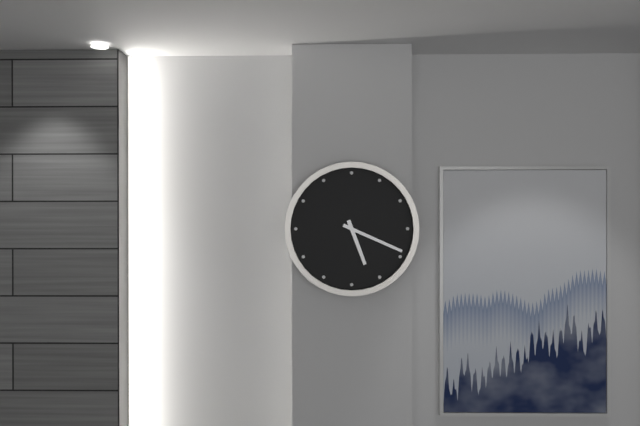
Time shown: 5:19
